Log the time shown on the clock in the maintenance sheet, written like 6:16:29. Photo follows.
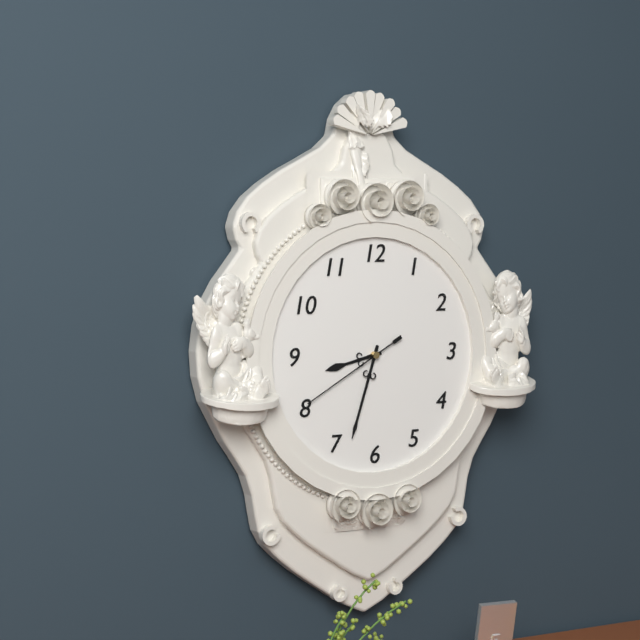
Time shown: 8:33:40
